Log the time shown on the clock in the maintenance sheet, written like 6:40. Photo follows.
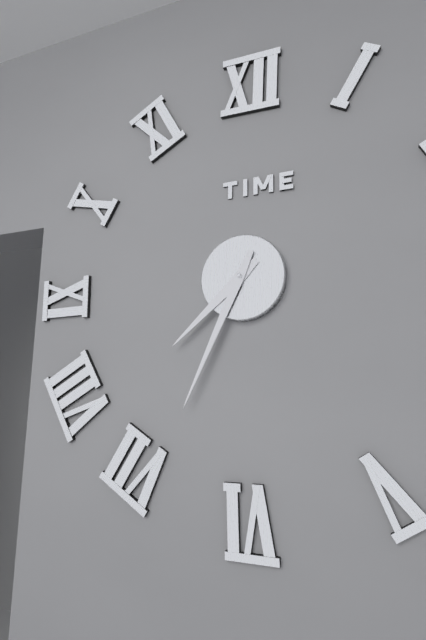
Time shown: 7:34
